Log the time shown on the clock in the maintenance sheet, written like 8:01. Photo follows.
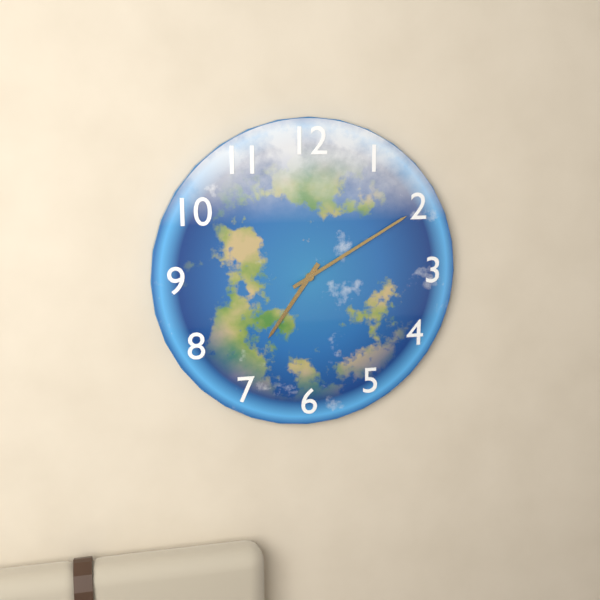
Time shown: 7:10
